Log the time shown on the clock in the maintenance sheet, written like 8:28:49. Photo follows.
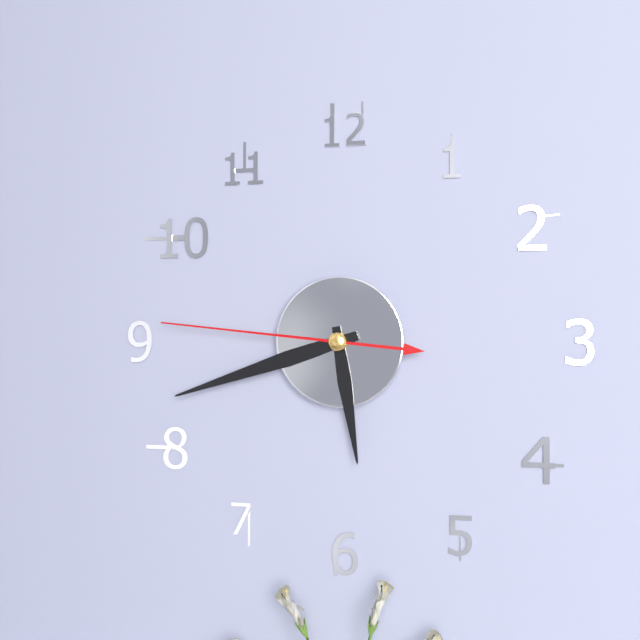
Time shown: 5:42:46
